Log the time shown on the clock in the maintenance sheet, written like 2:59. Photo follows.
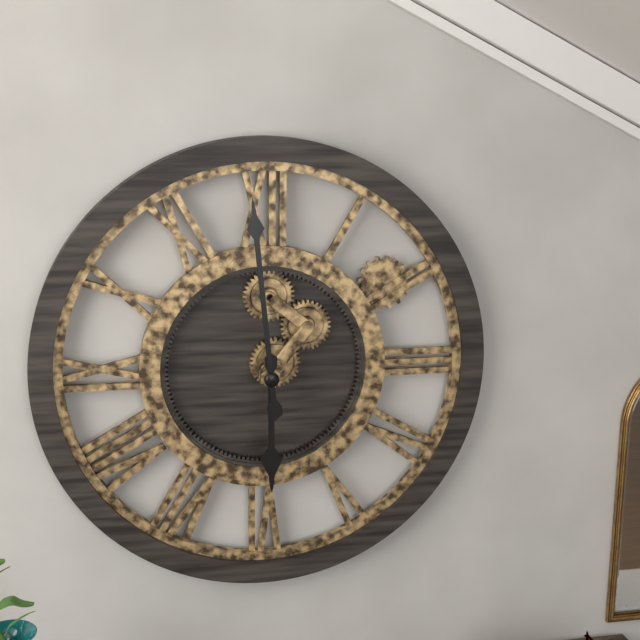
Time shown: 5:59
